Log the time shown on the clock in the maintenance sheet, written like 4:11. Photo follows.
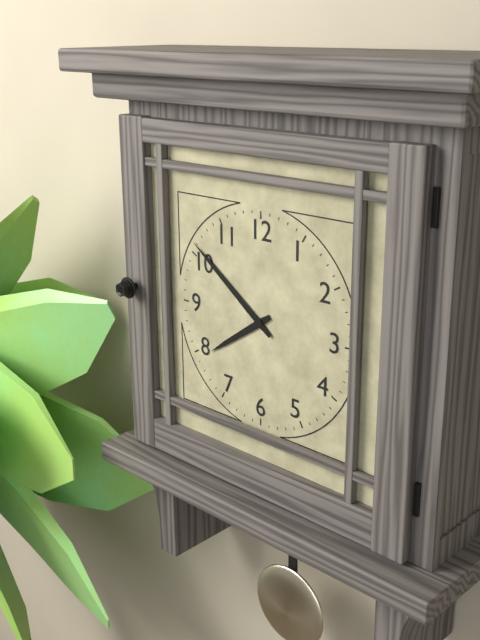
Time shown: 7:51
